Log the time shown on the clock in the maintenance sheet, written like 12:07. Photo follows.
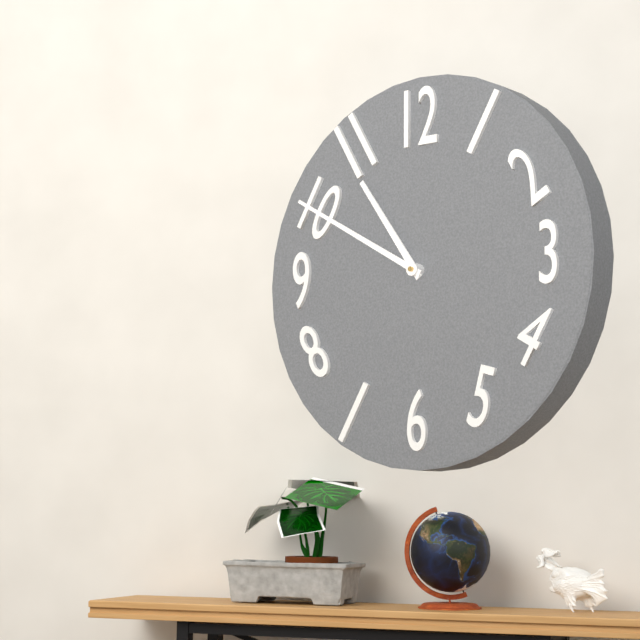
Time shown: 10:50
